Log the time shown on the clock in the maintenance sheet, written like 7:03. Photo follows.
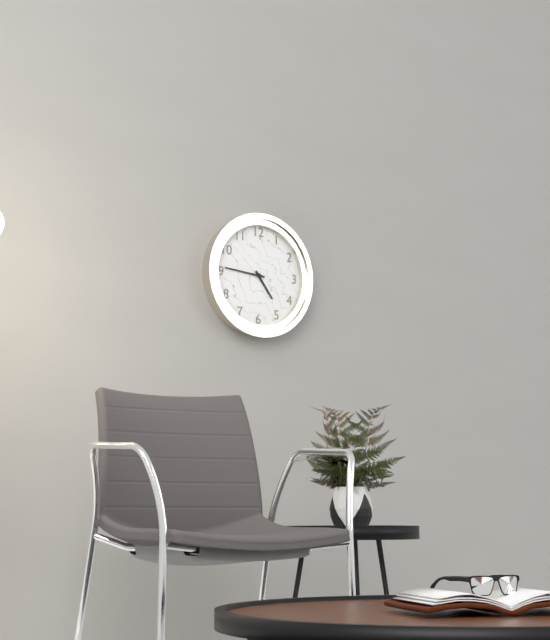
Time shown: 4:46
